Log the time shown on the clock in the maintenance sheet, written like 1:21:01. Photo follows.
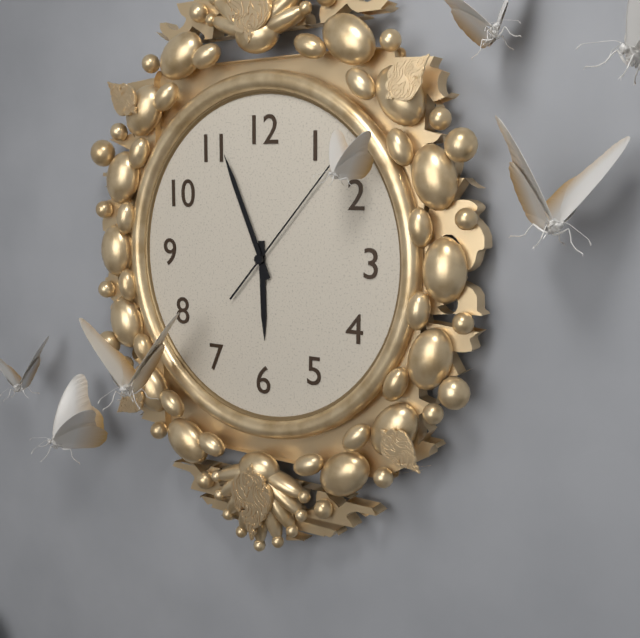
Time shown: 5:56:07
